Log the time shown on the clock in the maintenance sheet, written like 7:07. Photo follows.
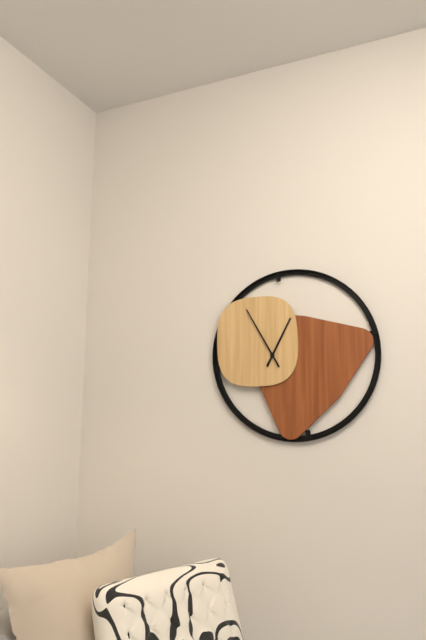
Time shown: 12:55
